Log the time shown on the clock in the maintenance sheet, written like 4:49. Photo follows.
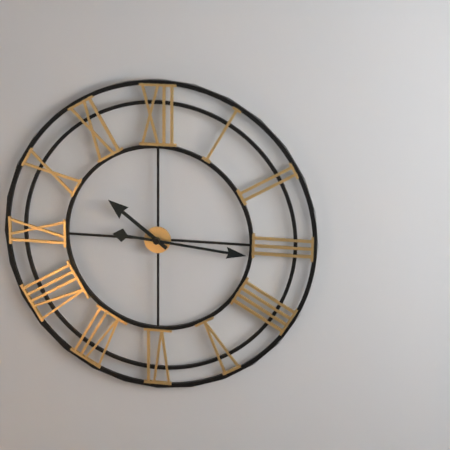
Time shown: 10:16
